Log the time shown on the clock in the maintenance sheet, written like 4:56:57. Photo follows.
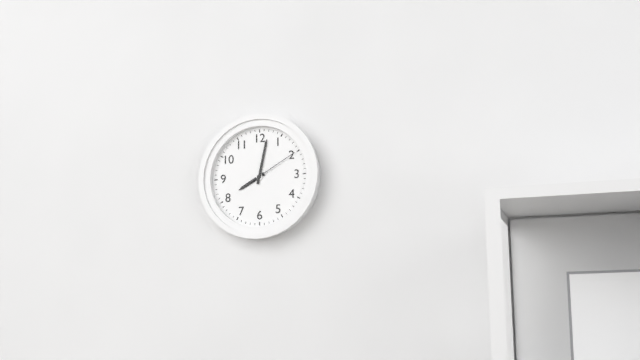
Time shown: 8:02:10
